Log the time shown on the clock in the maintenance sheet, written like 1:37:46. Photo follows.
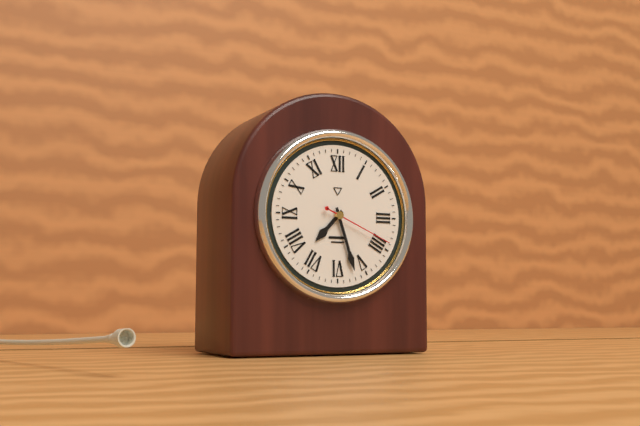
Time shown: 7:27:19
